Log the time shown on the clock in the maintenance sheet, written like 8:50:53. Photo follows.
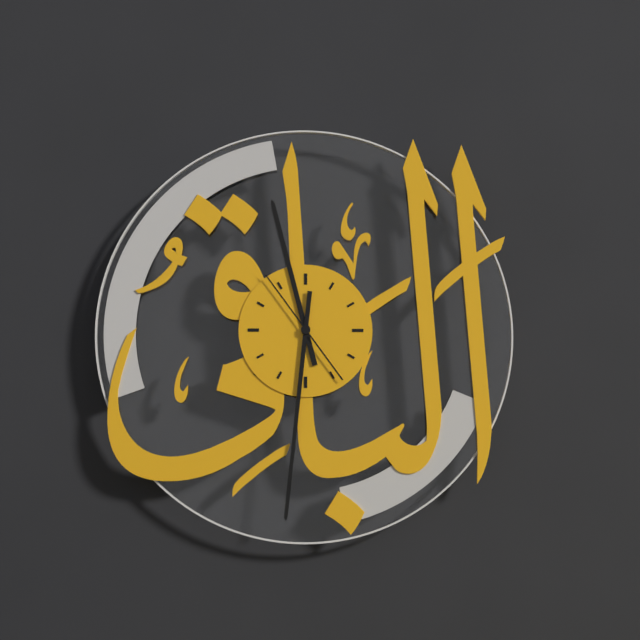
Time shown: 11:31:54
